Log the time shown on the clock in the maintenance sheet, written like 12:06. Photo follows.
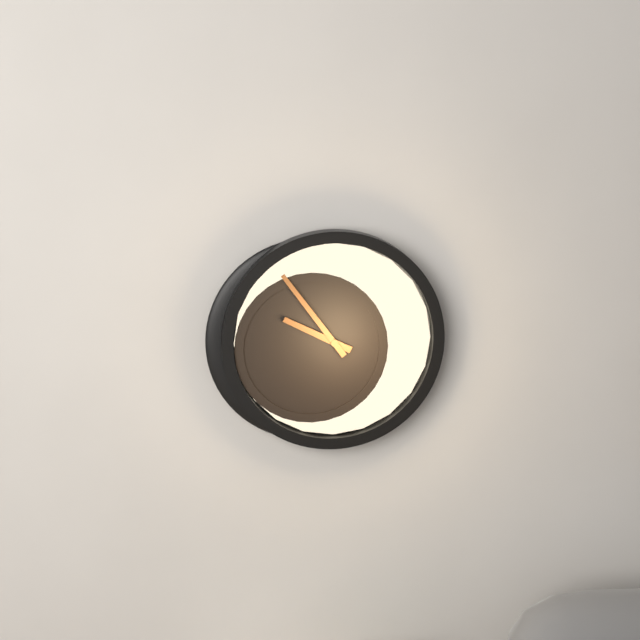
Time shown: 9:54
